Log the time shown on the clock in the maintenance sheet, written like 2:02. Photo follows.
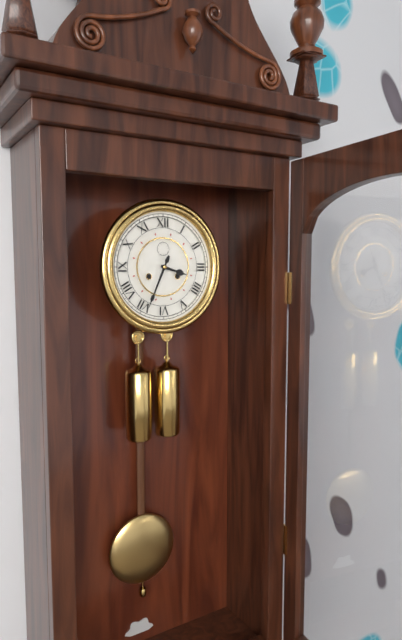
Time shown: 3:34
